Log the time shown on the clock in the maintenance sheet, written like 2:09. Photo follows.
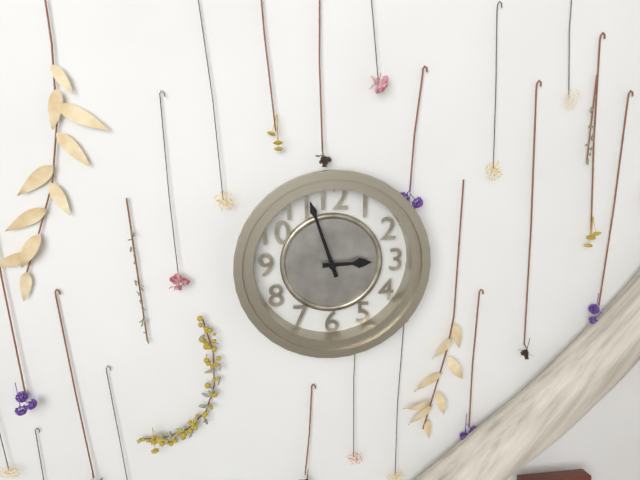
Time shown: 2:57
